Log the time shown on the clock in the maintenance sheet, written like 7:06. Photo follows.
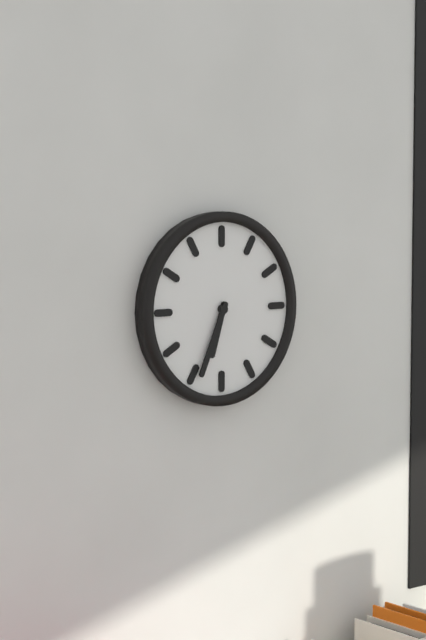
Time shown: 6:34
